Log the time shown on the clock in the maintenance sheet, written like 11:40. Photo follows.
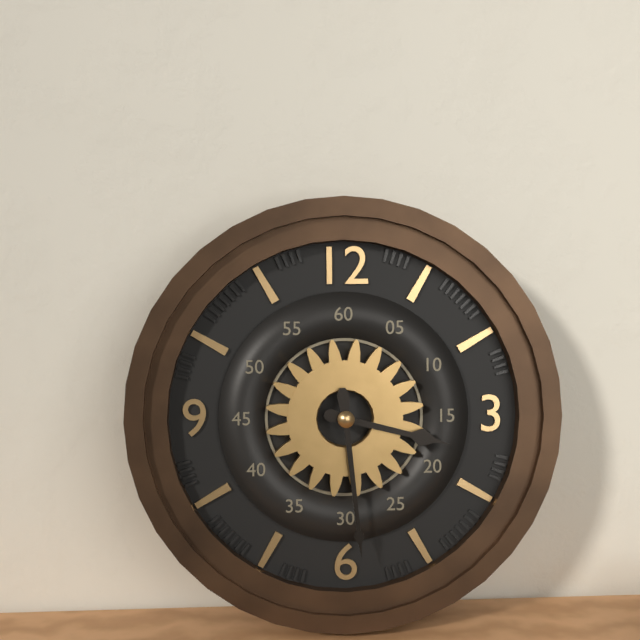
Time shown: 3:29
